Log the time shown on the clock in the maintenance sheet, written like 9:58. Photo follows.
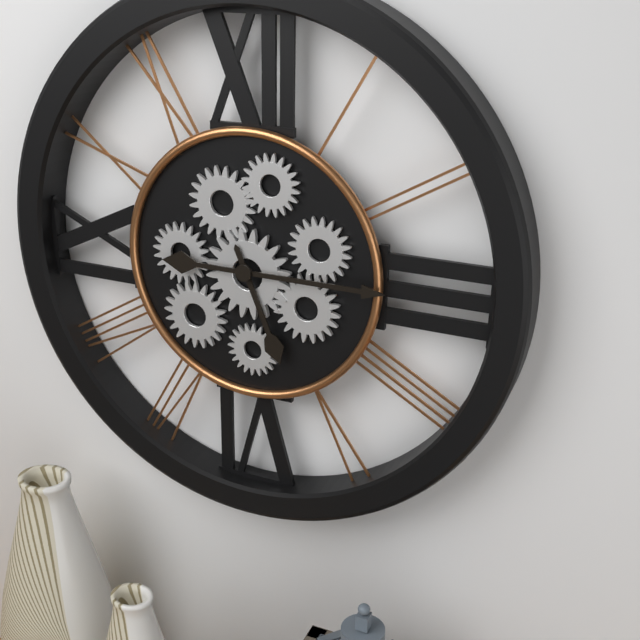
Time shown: 5:15
